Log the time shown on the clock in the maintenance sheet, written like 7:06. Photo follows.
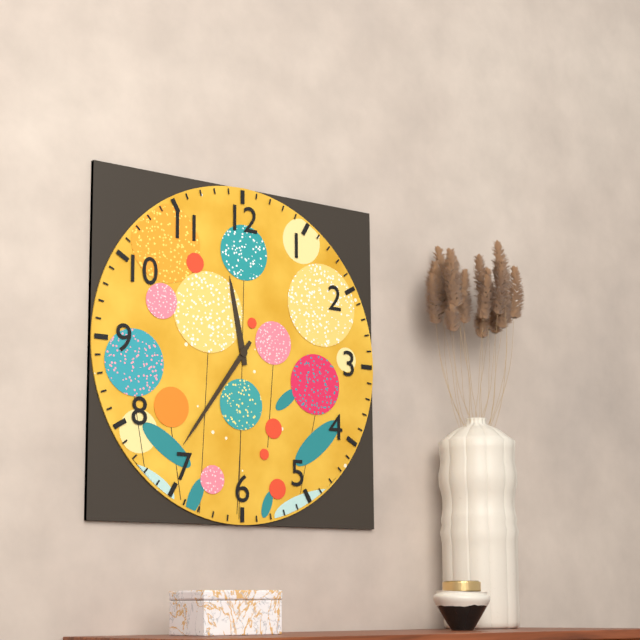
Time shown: 11:36
